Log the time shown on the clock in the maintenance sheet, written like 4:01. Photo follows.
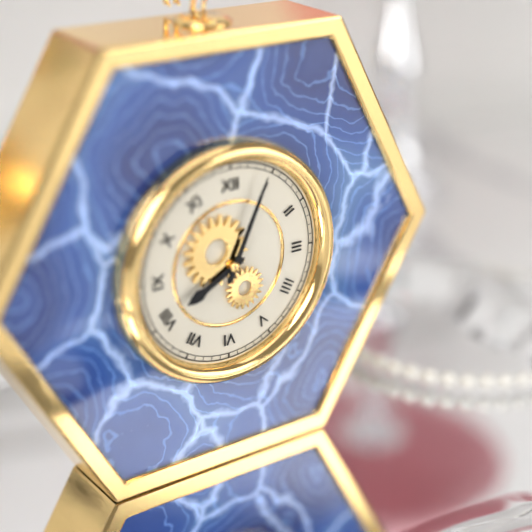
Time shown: 8:04
